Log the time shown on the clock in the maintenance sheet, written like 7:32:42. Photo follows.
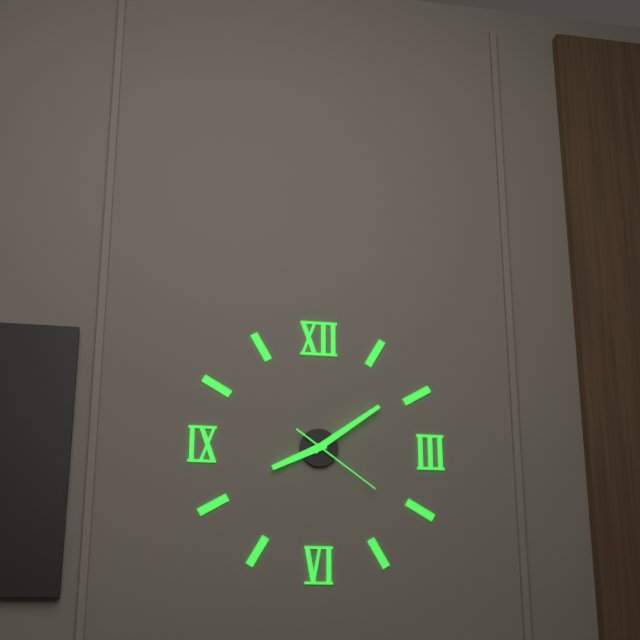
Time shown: 8:09:21
